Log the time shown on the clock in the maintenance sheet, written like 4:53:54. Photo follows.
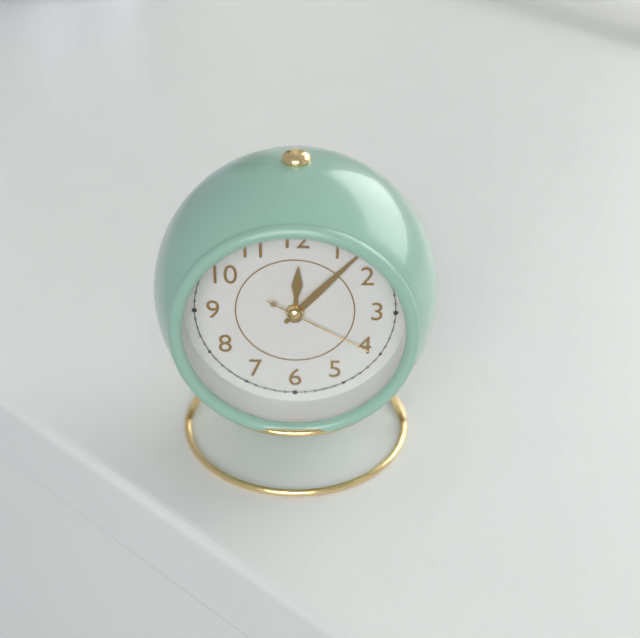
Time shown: 12:07:20
